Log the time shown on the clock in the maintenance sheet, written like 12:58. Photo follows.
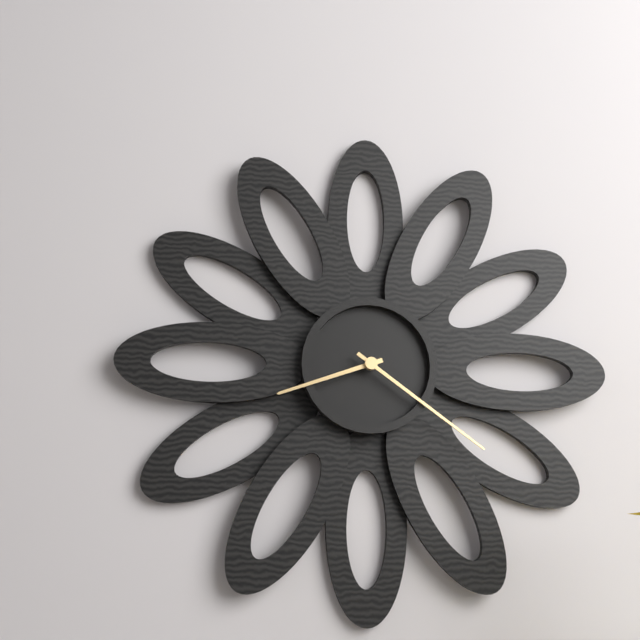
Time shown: 8:21
